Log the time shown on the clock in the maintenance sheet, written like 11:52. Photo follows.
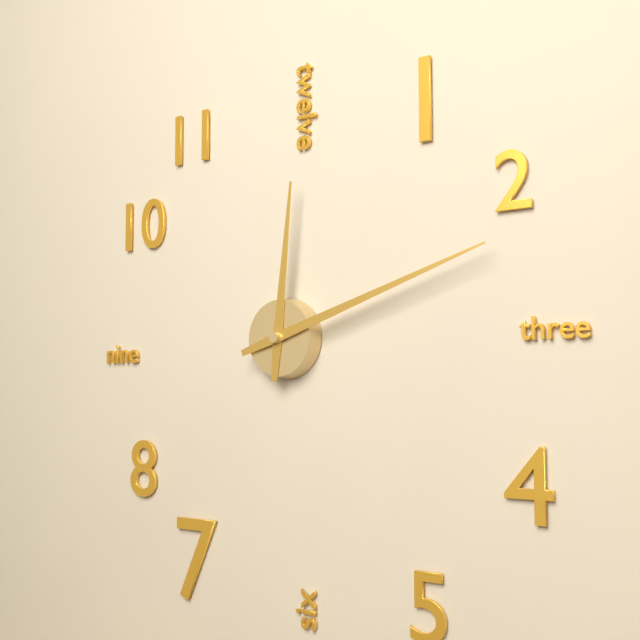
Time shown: 12:12
